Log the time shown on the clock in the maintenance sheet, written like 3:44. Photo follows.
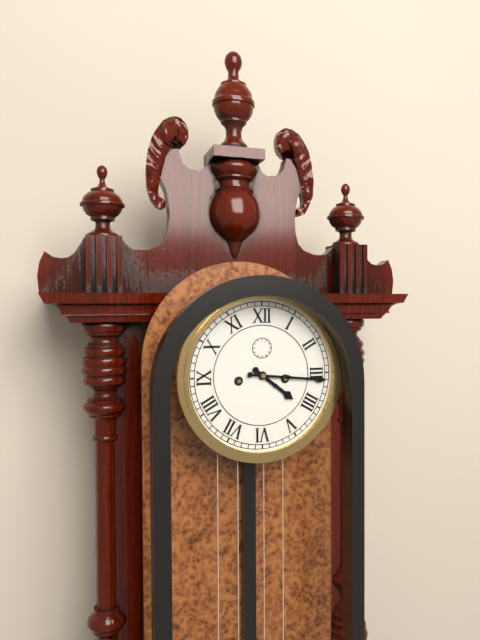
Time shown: 4:16
